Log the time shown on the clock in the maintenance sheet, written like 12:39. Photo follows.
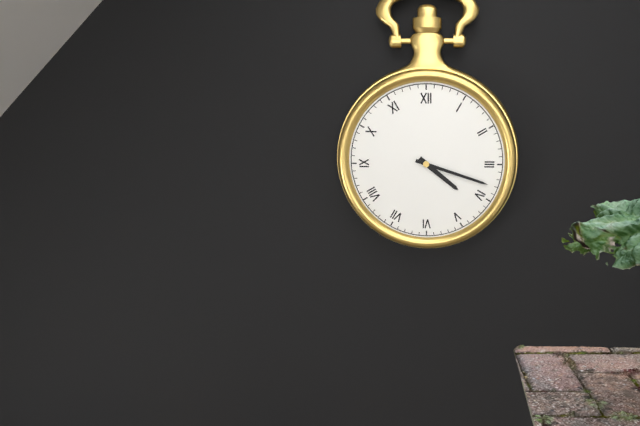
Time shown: 4:18
